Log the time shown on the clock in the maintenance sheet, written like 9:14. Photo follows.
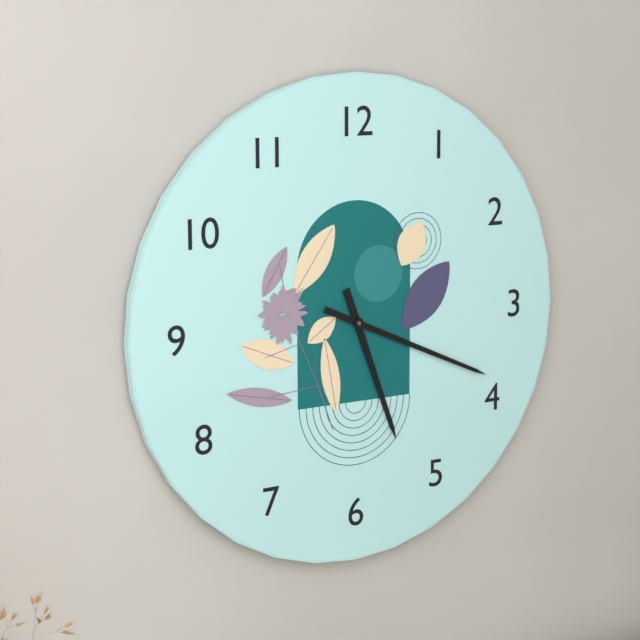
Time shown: 5:19
